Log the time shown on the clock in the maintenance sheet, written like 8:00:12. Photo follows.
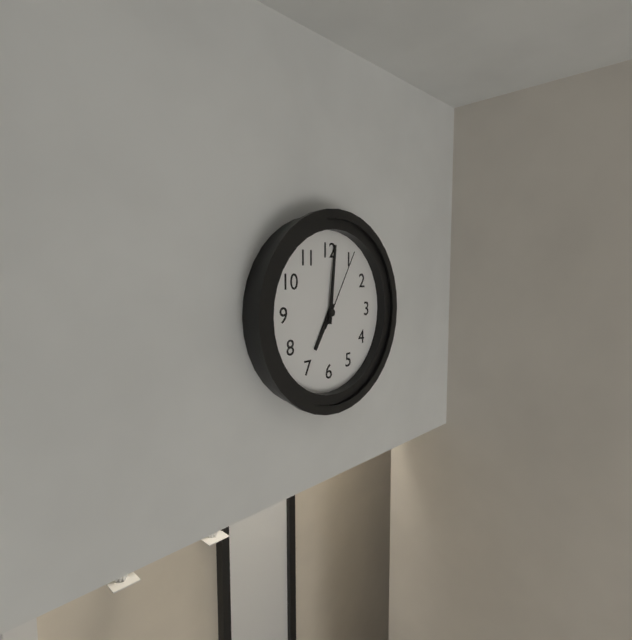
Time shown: 7:01:05
